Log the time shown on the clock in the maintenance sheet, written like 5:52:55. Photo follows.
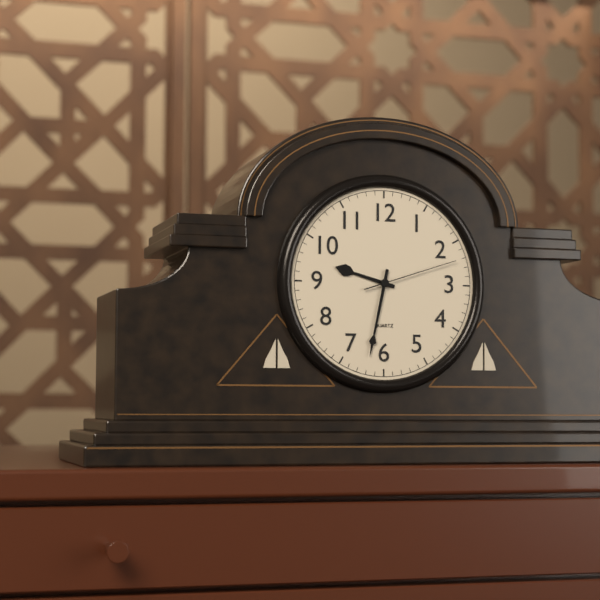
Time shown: 9:32:12
